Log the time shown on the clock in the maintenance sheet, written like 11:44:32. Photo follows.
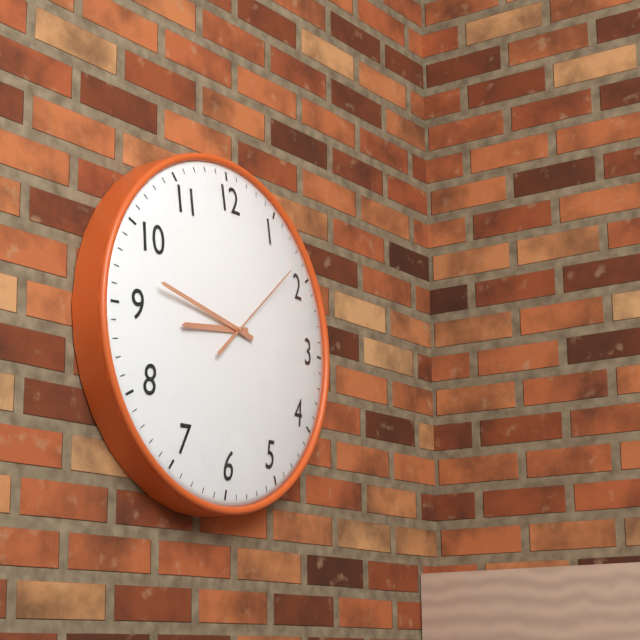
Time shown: 8:47:08
